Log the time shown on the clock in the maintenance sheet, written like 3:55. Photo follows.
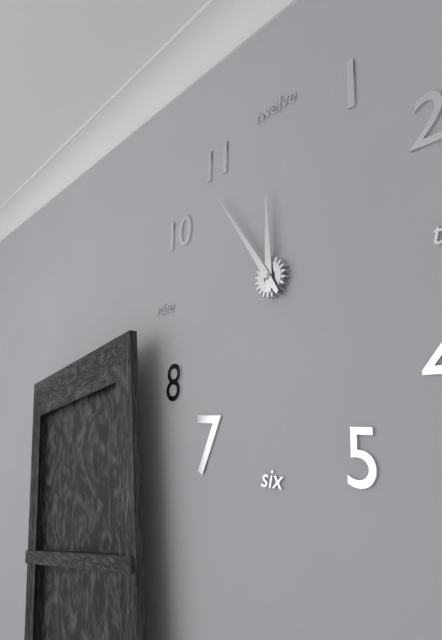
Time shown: 11:54
